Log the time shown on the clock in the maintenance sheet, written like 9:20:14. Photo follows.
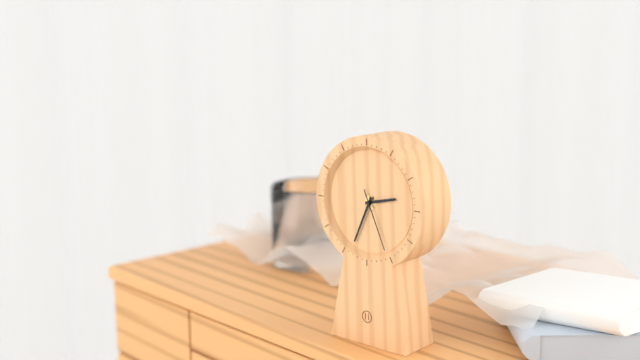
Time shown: 2:34:26
